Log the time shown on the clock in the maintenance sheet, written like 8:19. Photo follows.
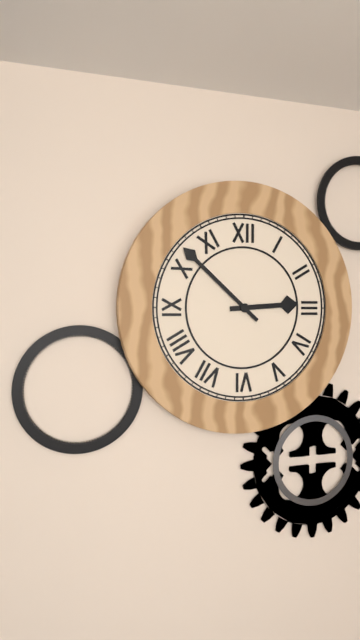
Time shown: 2:52
